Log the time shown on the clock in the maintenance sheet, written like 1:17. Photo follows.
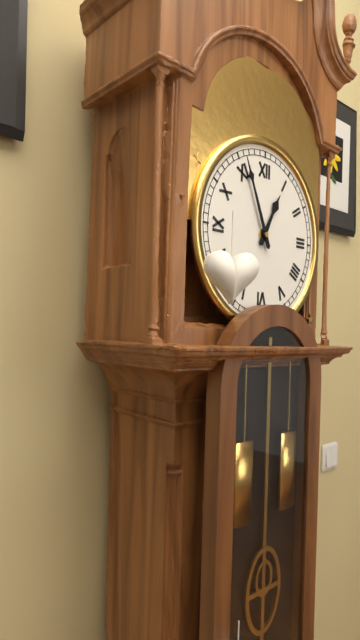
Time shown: 12:56
